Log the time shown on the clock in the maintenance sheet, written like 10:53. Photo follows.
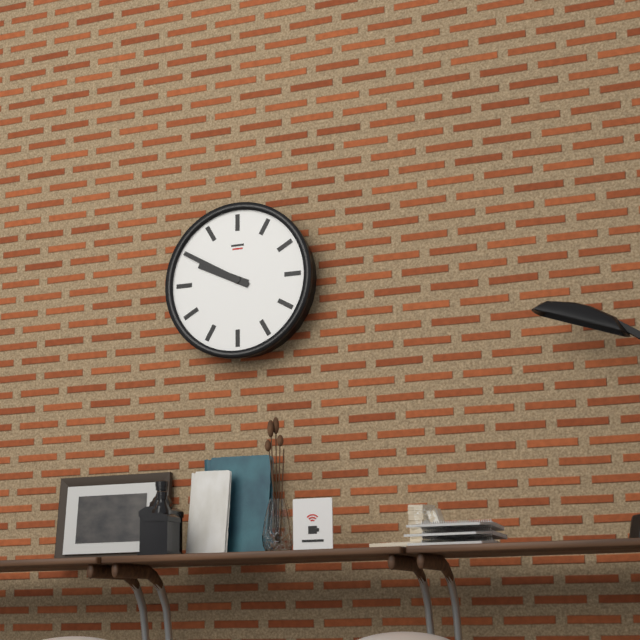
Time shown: 9:50
